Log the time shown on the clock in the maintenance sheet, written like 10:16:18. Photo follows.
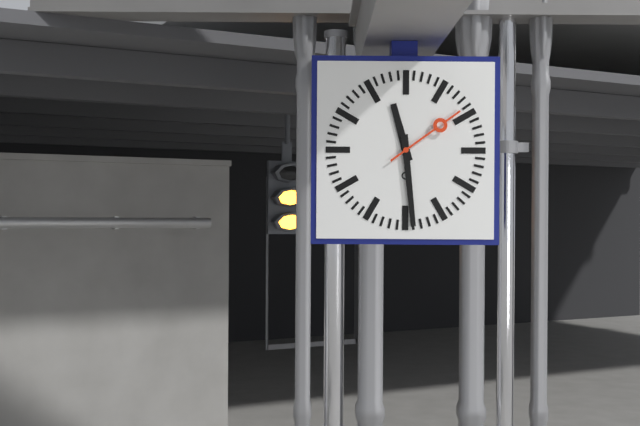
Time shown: 11:29:09
